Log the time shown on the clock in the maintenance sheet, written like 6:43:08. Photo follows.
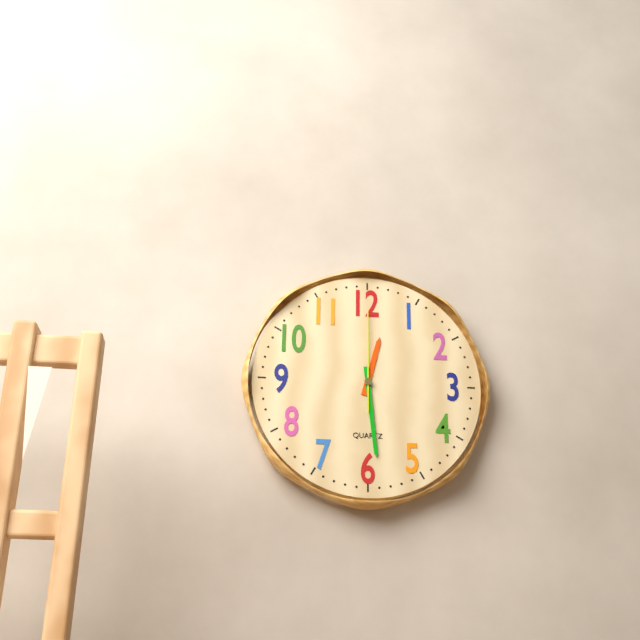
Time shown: 12:29:00
